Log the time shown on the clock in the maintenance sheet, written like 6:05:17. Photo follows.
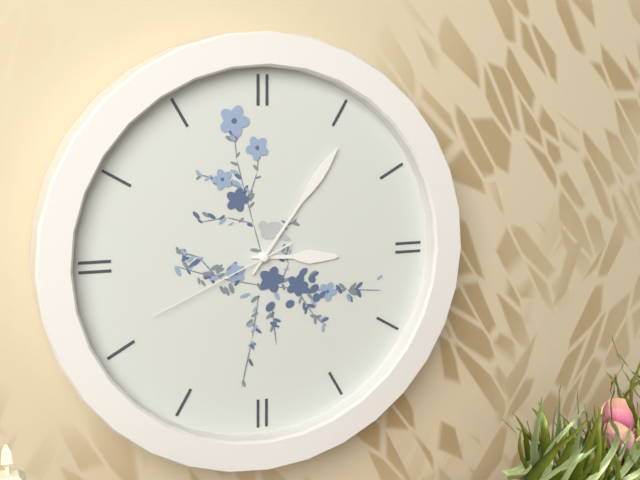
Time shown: 3:06:41
